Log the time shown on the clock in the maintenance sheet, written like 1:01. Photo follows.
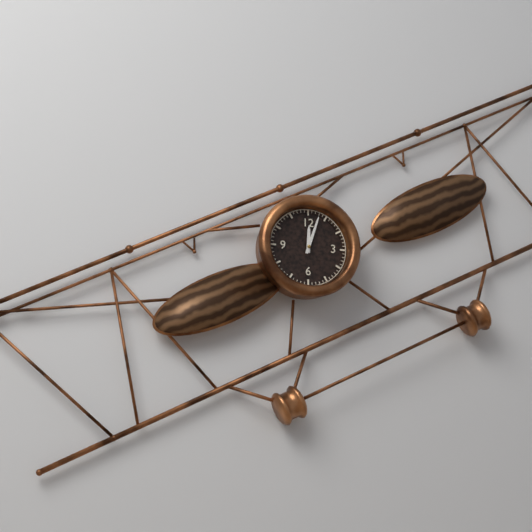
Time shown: 12:03
